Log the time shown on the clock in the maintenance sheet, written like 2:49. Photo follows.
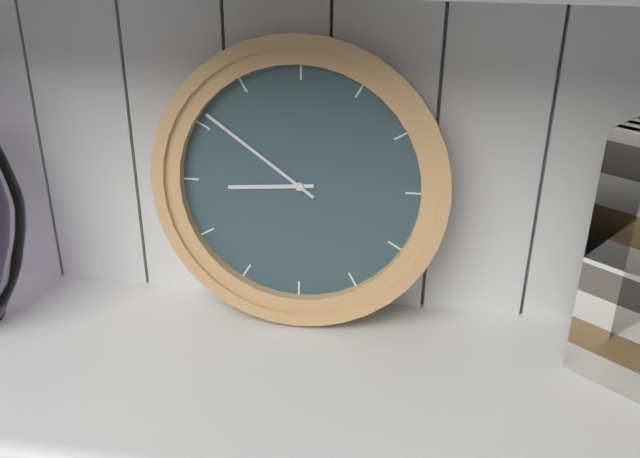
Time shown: 8:51
